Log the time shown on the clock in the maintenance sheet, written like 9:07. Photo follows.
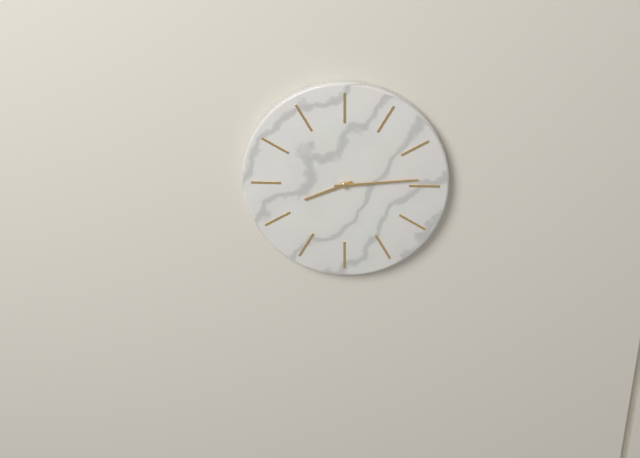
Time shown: 8:14
